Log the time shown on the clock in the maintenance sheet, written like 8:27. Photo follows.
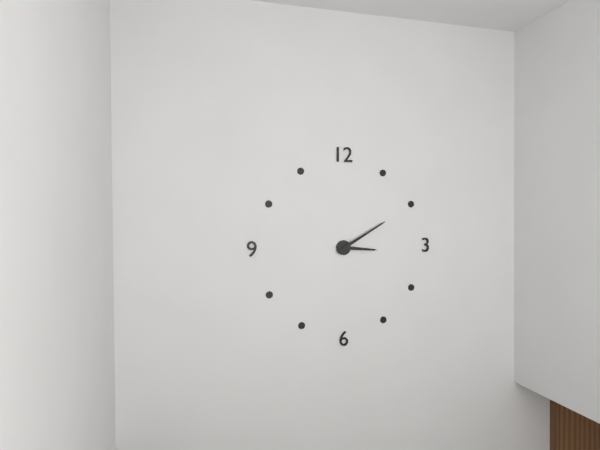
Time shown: 3:10
